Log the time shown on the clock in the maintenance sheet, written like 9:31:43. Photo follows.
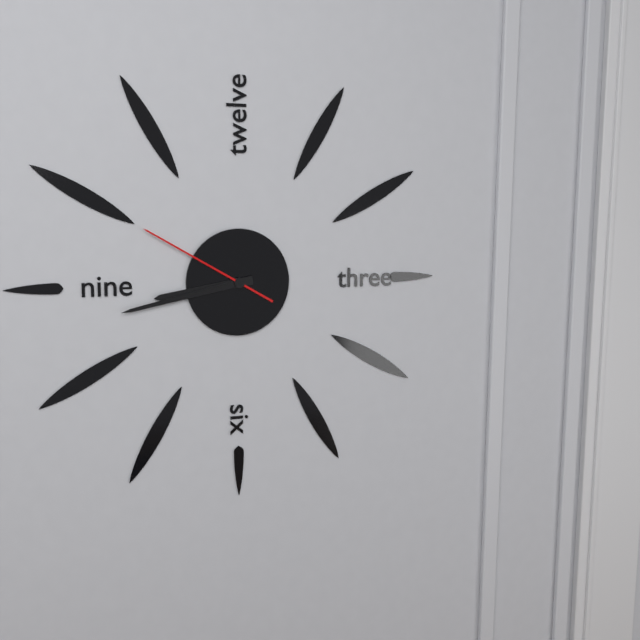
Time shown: 8:43:50
